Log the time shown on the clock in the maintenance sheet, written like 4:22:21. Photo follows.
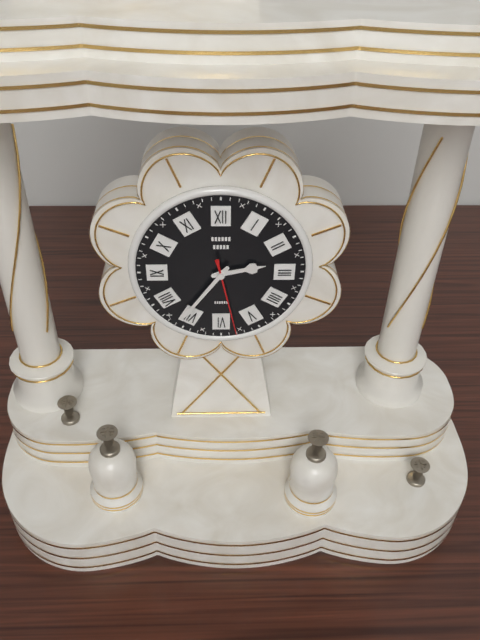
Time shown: 2:36:28
